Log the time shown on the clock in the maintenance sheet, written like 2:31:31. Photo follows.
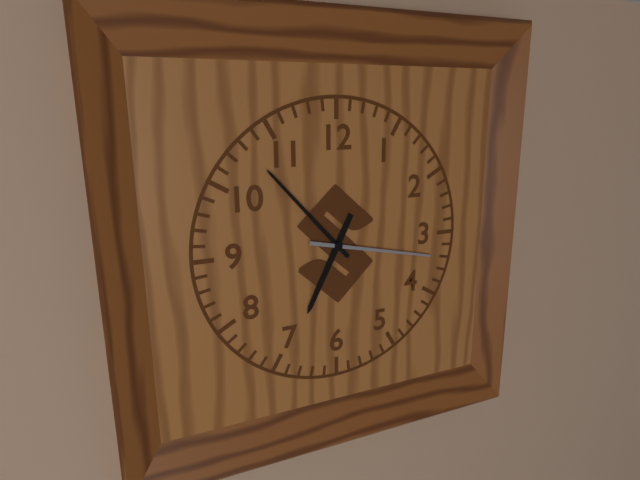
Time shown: 6:53:17
